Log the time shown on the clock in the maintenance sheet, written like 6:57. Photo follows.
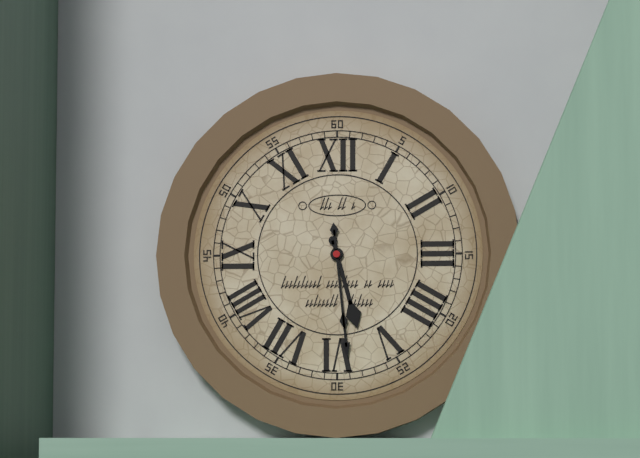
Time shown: 5:29
